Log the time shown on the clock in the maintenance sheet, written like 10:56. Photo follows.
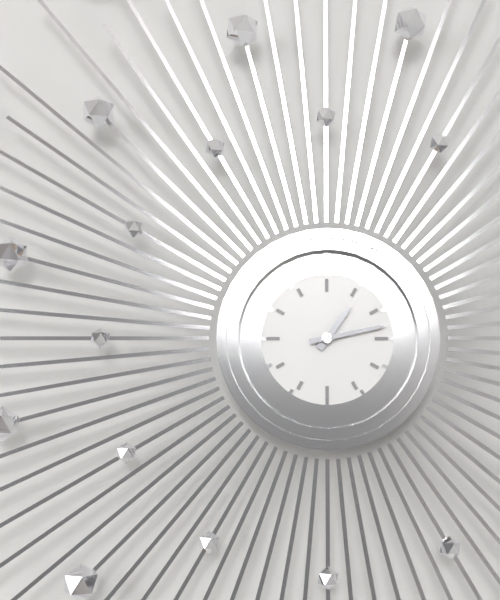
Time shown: 1:13
